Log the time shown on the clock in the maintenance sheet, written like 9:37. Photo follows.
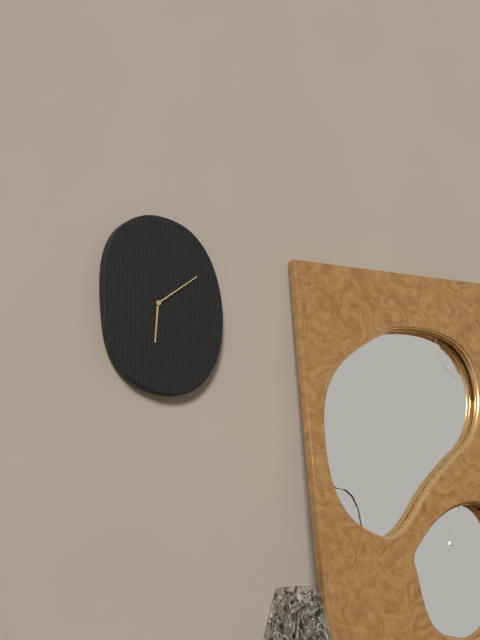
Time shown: 6:09
